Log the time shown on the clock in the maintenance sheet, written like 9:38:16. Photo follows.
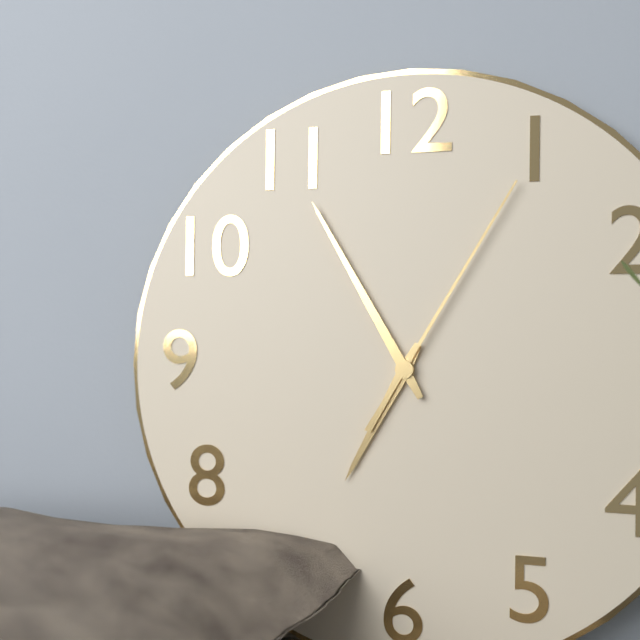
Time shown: 6:55:05
